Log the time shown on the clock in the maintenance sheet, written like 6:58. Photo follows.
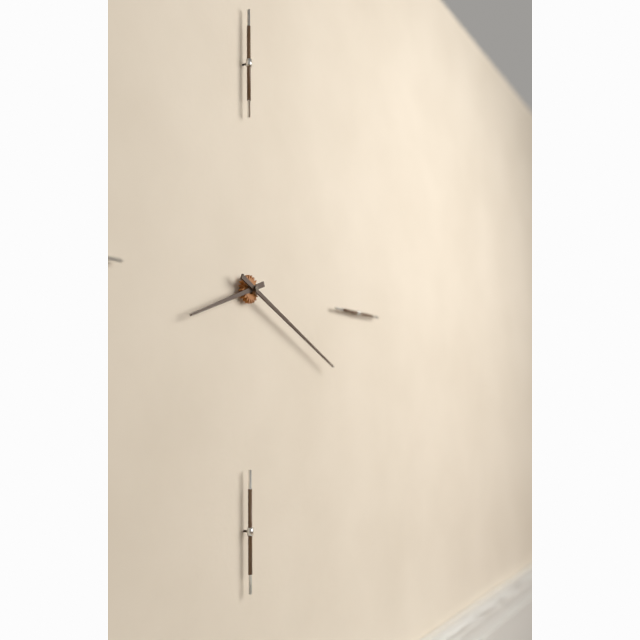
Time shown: 8:19
